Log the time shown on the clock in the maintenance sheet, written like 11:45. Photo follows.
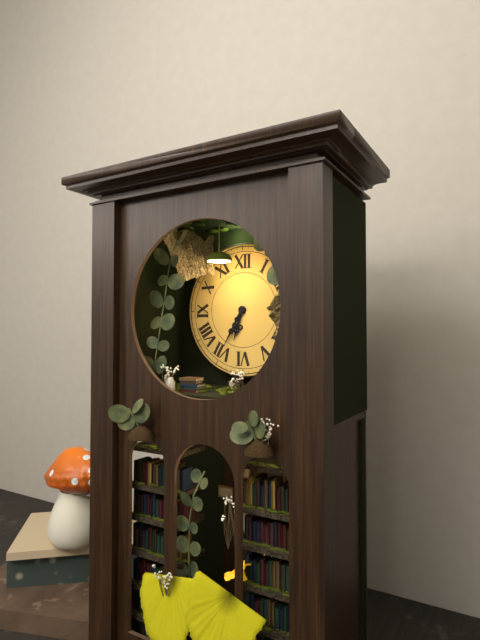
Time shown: 6:35
